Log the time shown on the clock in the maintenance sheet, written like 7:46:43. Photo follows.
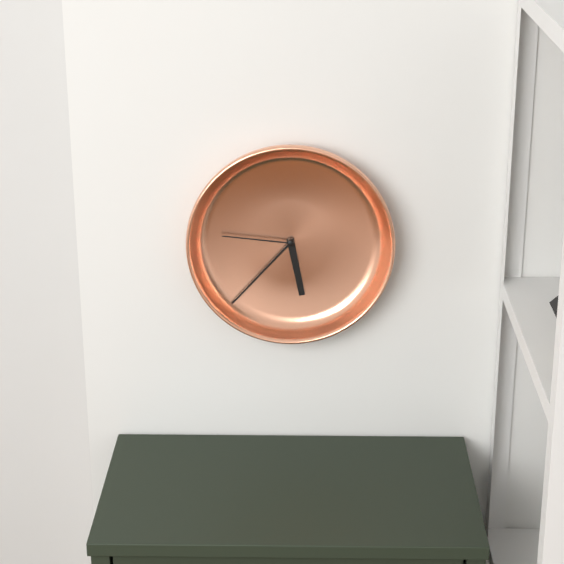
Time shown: 5:37:46
